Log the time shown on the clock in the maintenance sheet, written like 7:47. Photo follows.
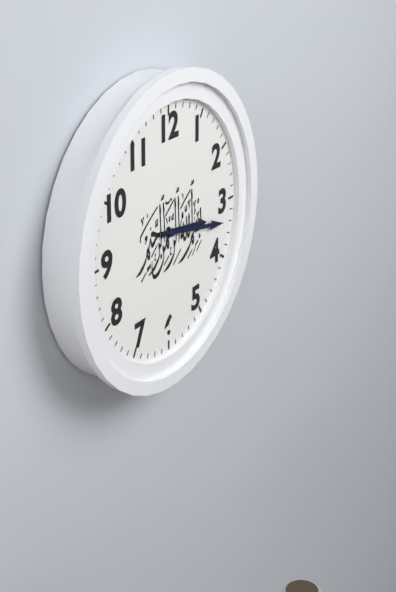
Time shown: 3:17
